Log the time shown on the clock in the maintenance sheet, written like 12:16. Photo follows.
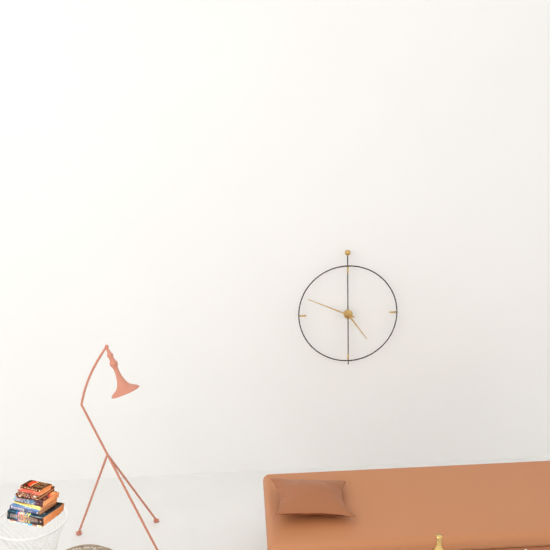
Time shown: 4:49
